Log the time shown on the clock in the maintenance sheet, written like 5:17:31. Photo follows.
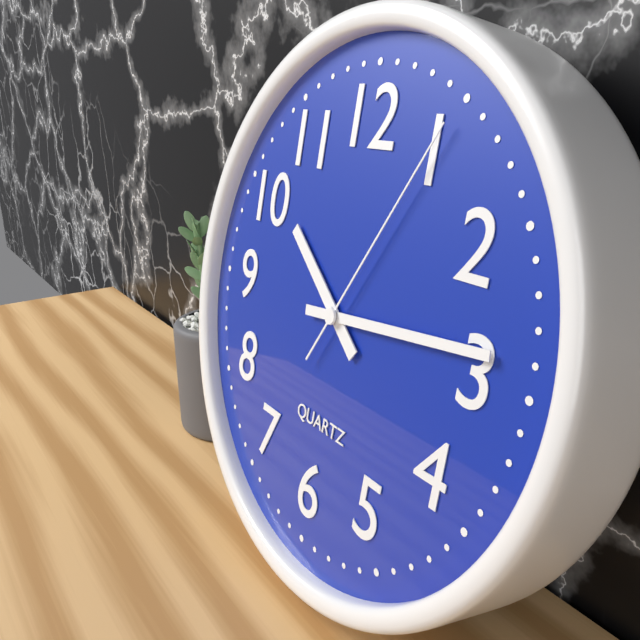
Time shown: 10:14:05
